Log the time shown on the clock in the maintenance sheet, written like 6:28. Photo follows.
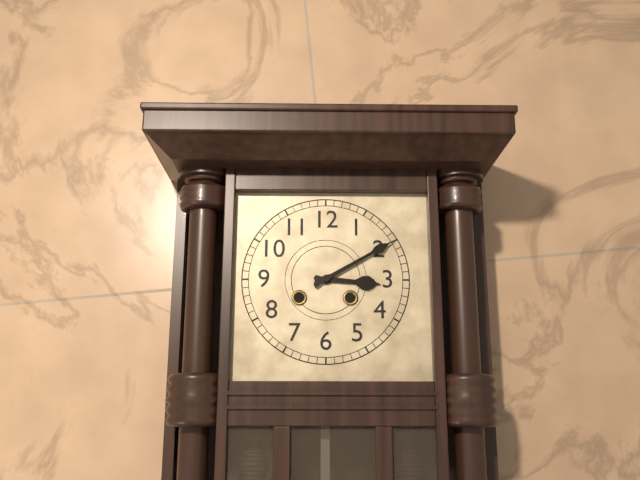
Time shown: 3:10
